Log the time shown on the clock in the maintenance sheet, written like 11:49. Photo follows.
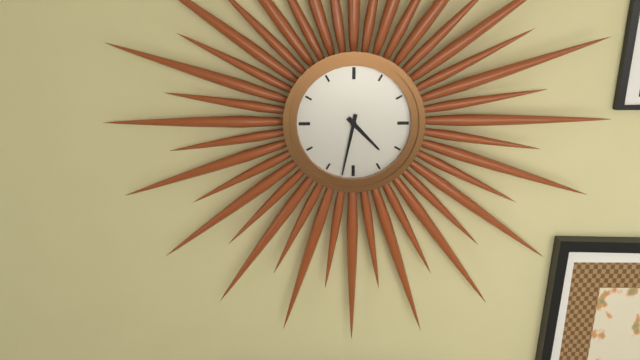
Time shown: 4:32
